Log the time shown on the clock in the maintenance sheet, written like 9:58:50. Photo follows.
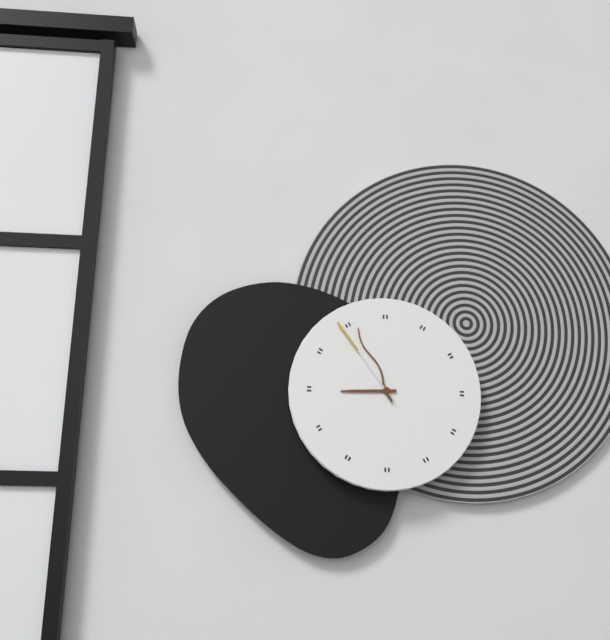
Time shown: 8:56:54
